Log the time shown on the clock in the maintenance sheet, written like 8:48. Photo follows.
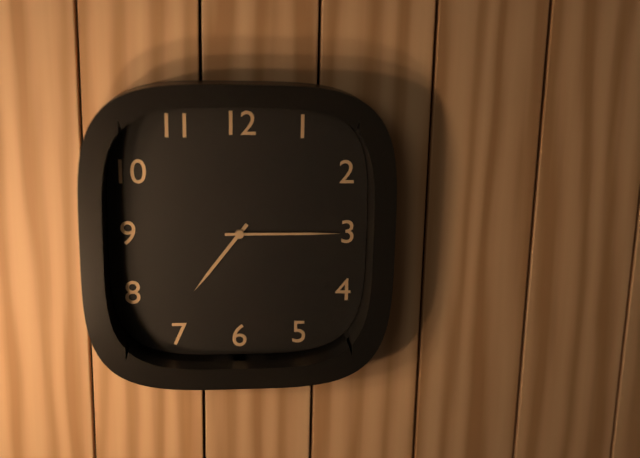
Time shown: 7:15
